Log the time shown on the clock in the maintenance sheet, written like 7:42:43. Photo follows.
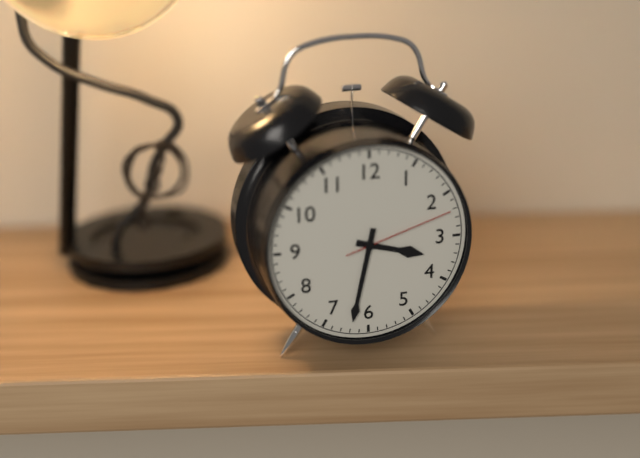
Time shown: 3:32:12
